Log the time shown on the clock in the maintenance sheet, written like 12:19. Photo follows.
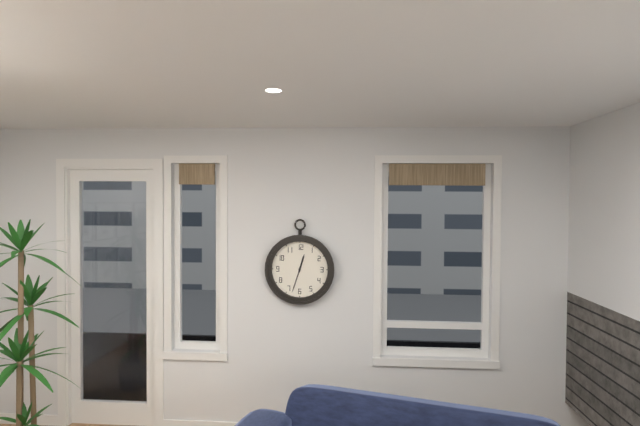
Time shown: 12:33
